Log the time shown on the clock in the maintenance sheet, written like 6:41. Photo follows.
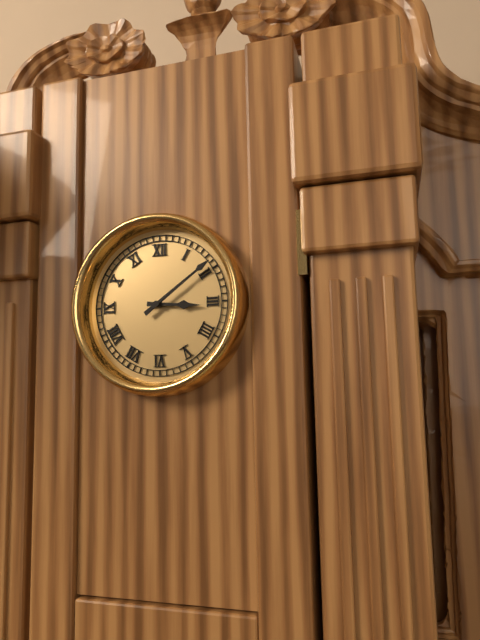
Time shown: 3:09
